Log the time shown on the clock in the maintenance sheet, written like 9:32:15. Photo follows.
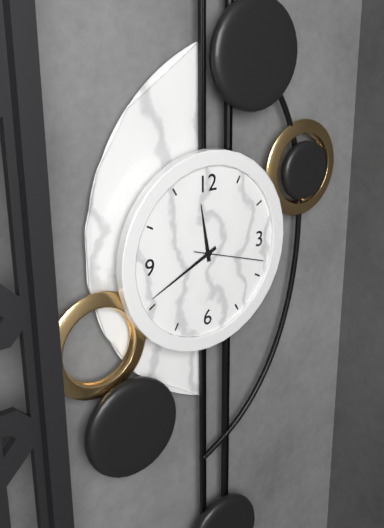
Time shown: 11:41:18
